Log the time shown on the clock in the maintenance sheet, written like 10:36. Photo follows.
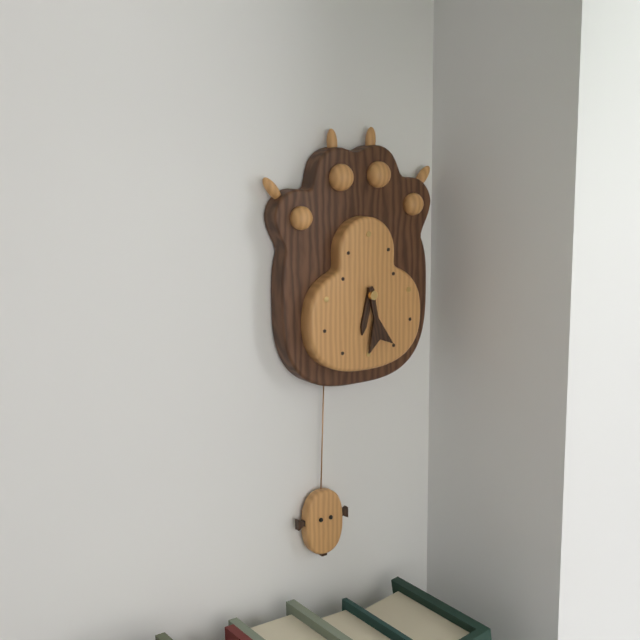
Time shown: 6:28
